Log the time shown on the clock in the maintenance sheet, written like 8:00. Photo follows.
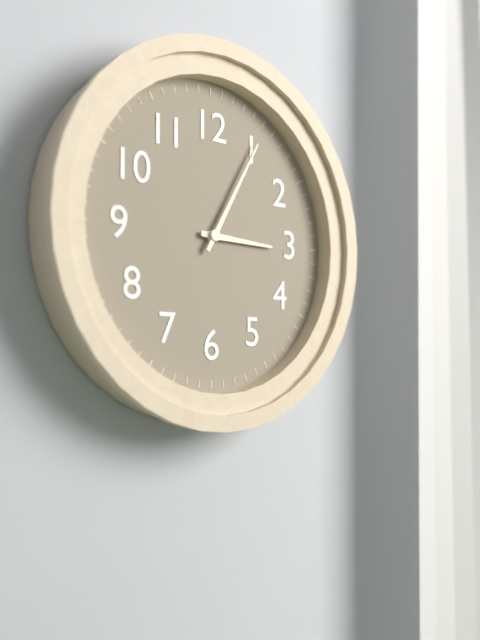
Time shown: 3:05
